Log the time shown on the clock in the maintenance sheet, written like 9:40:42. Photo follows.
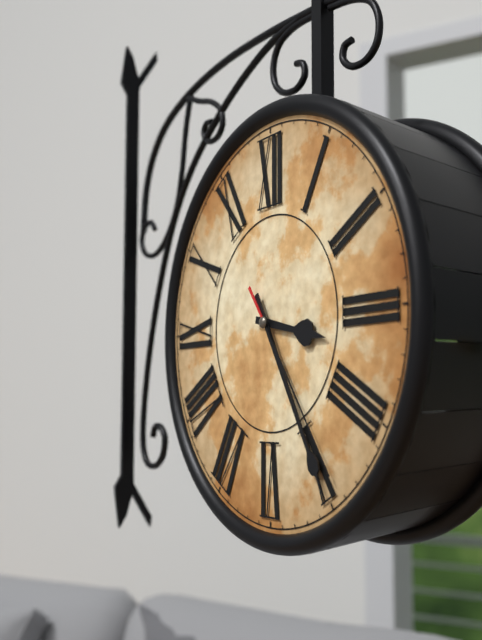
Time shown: 3:25:24
